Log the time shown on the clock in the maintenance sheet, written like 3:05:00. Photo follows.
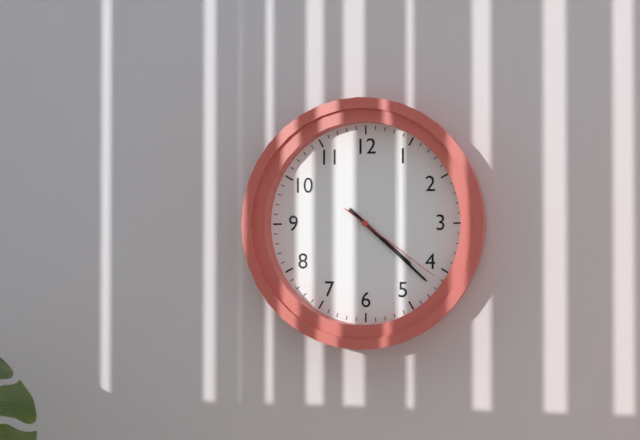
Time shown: 4:22:21
